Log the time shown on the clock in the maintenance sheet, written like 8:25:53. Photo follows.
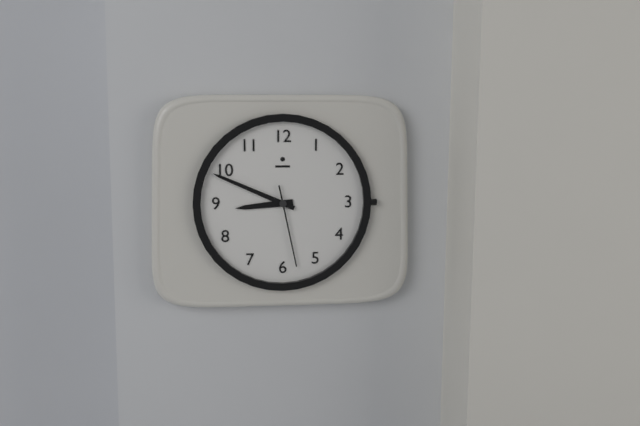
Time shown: 8:49:28
